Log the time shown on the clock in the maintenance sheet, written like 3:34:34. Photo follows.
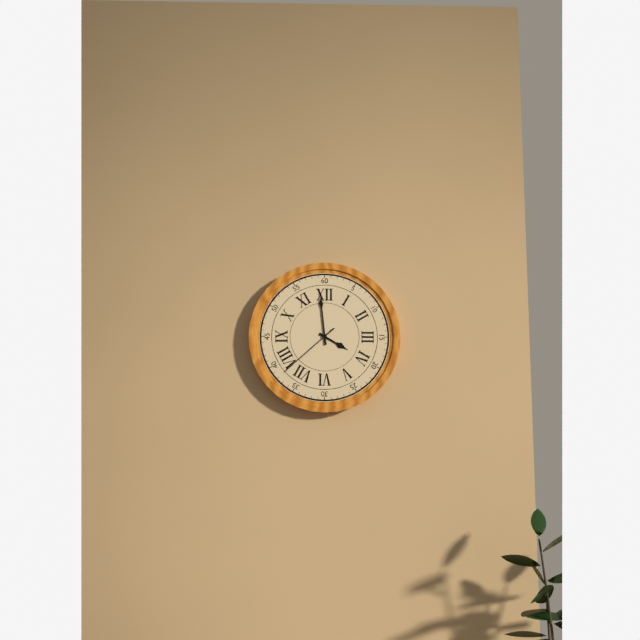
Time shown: 3:59:38
